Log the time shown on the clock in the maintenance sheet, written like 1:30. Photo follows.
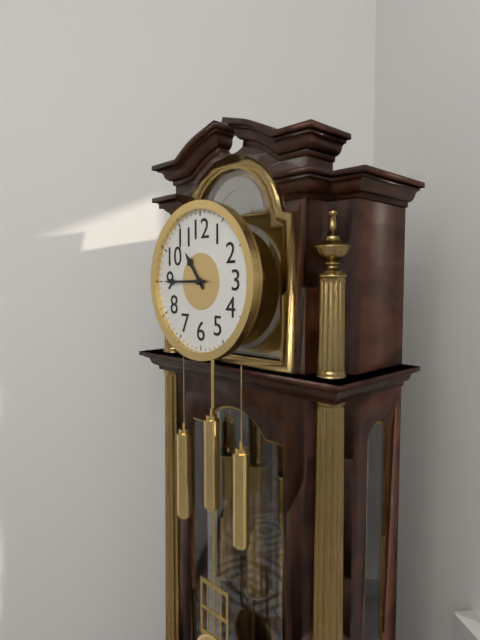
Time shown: 10:45
